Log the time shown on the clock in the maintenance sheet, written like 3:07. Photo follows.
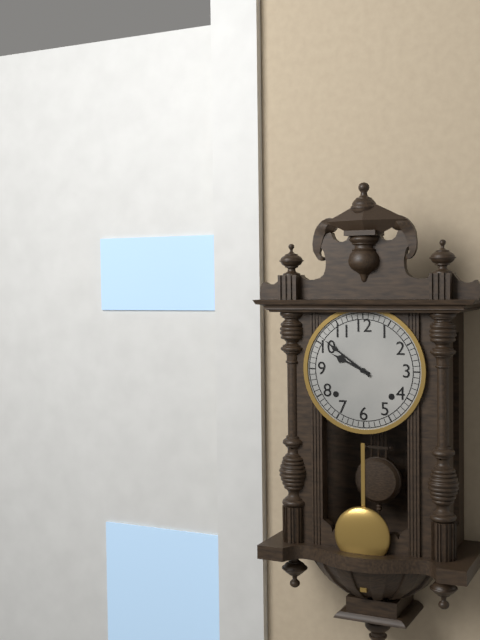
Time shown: 9:51
